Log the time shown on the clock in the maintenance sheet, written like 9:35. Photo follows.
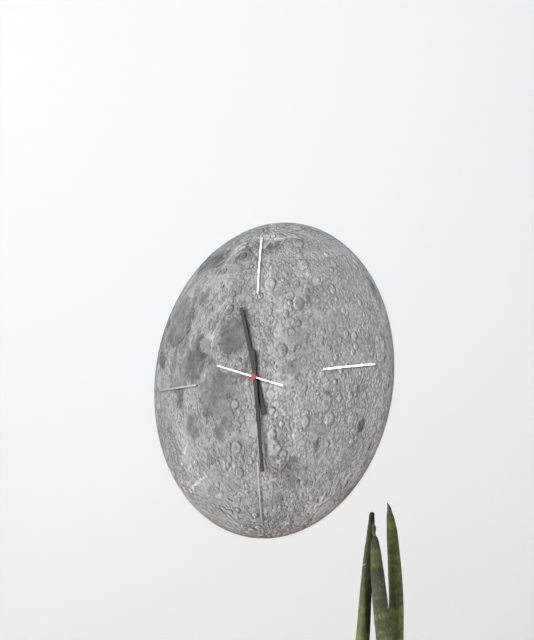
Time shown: 11:29
